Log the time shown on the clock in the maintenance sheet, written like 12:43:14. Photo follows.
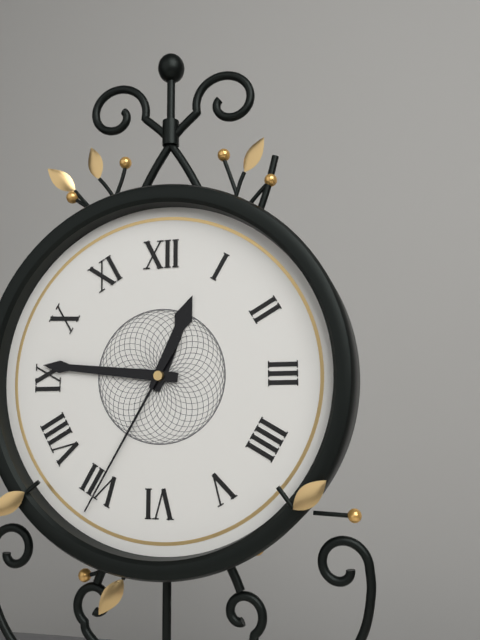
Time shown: 12:46:35
